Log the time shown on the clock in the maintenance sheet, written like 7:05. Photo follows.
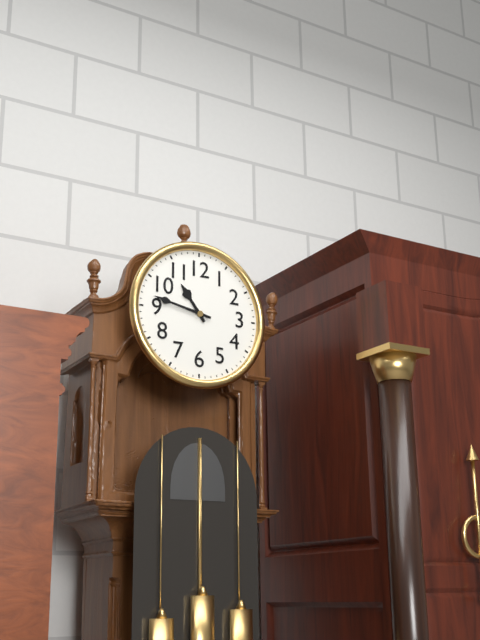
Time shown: 10:47
